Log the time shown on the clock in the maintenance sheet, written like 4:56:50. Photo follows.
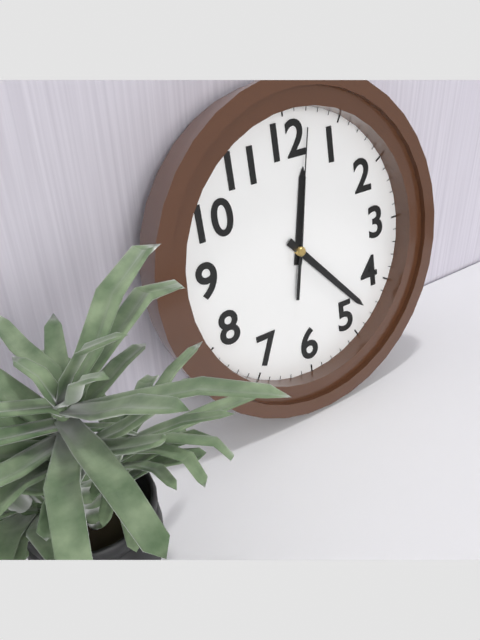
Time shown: 12:23:02
